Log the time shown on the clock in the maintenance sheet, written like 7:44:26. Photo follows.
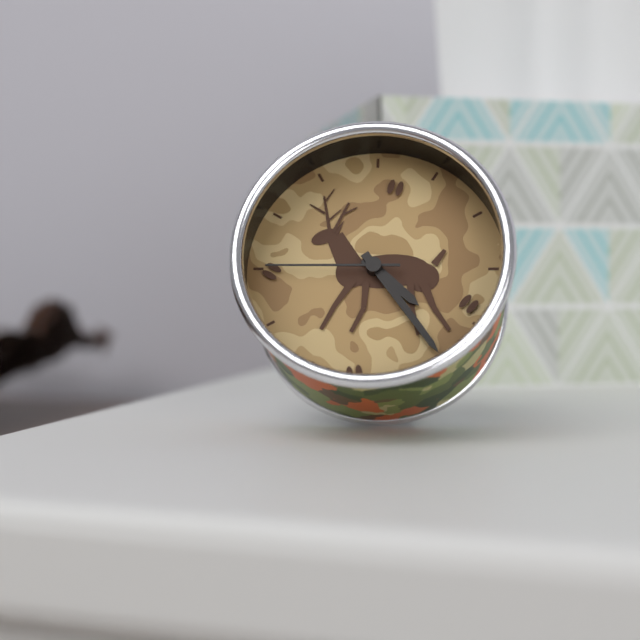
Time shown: 4:24:45
